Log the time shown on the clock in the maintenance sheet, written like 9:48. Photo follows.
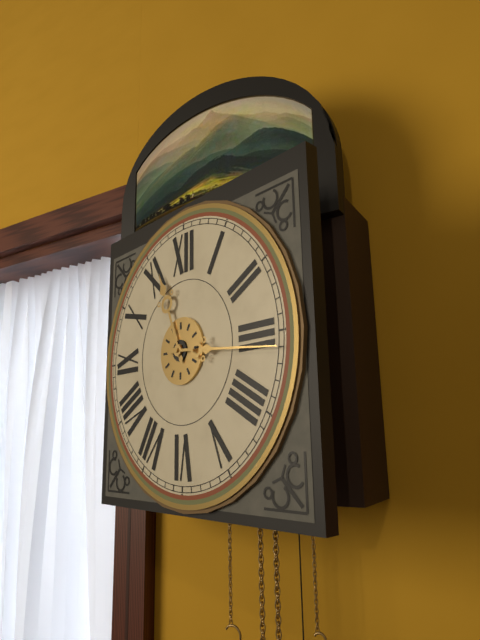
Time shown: 11:16
